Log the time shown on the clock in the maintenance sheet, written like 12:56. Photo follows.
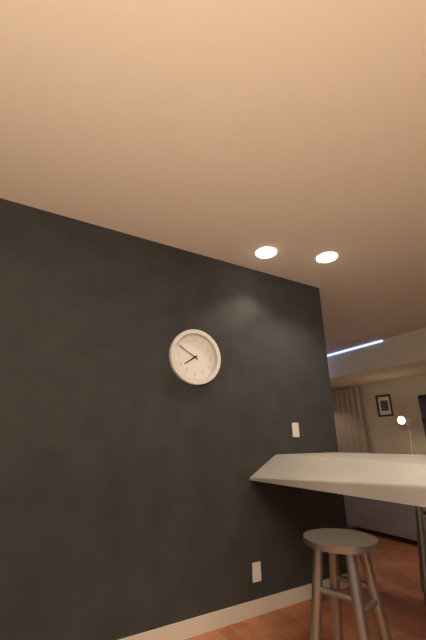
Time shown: 7:50
